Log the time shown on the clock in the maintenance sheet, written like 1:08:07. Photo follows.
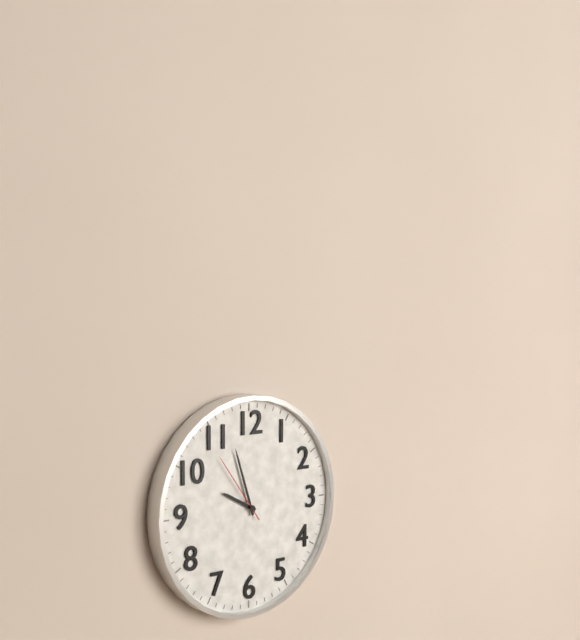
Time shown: 9:57:54
